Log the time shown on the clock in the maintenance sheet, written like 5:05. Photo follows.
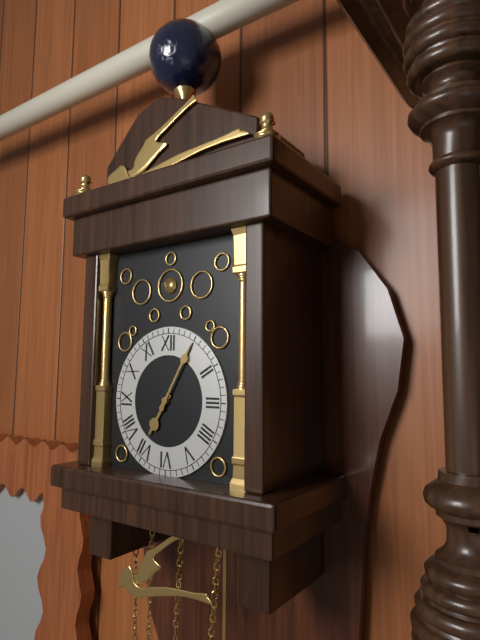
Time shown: 7:05
